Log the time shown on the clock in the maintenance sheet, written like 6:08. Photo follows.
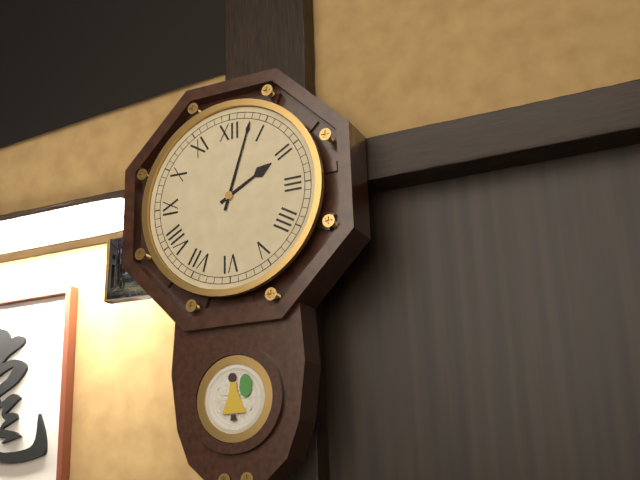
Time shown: 2:03
